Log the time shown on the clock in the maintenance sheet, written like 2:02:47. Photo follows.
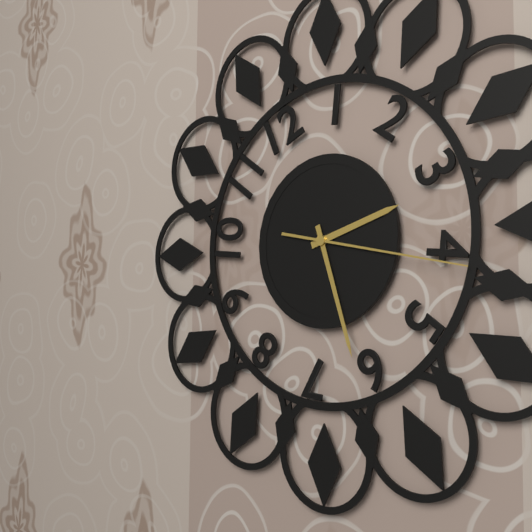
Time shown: 2:27:17
